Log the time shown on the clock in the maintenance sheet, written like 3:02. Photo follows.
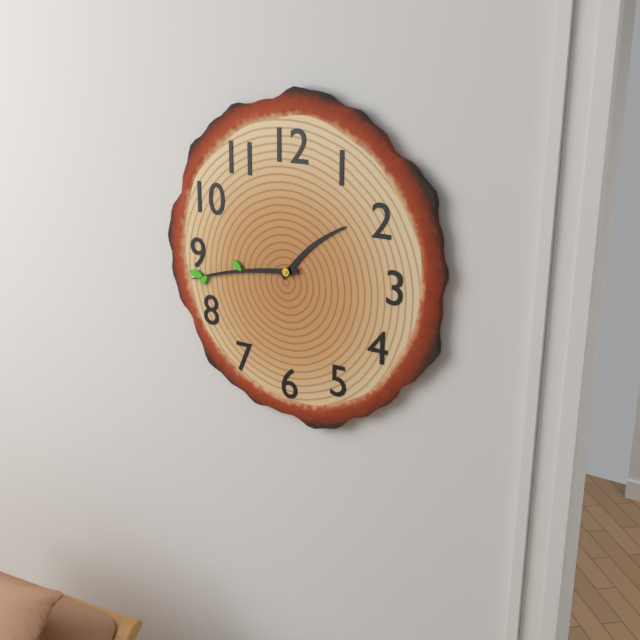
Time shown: 1:43
